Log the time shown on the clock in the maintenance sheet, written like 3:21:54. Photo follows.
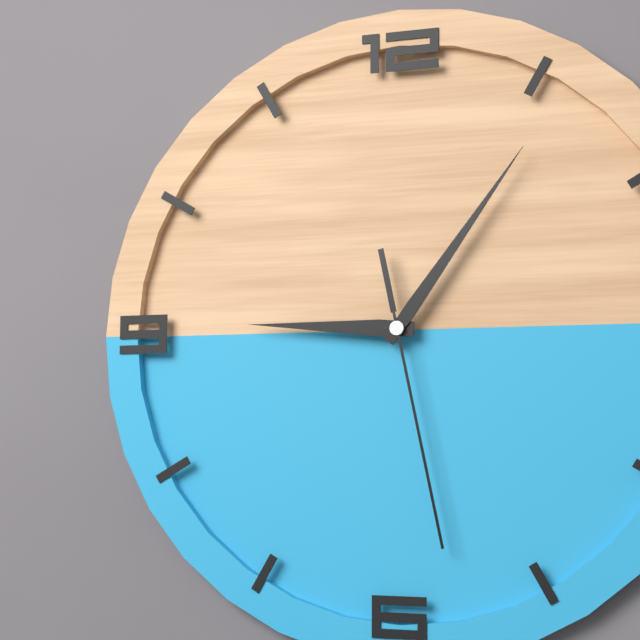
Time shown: 9:06:28
